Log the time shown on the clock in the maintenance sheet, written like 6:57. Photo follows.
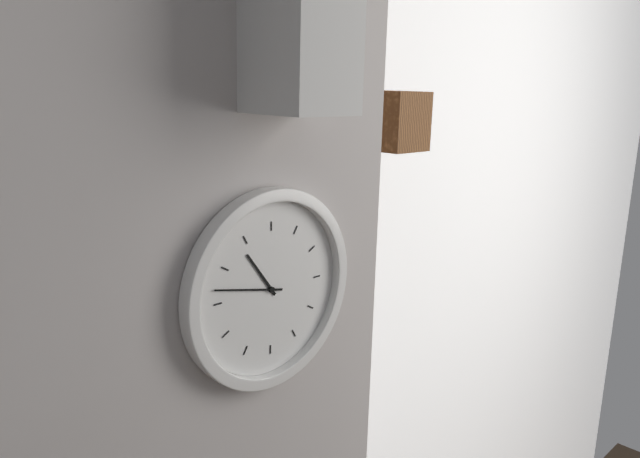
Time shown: 10:47
